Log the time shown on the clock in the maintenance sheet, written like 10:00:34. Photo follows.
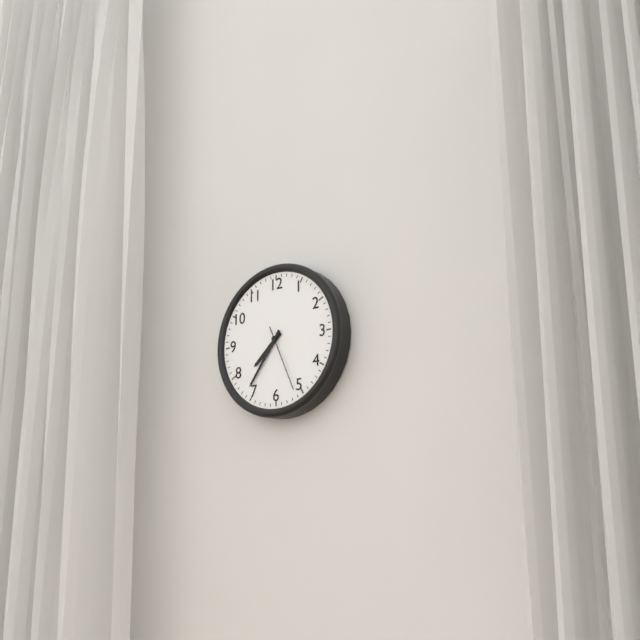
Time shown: 7:36:26
